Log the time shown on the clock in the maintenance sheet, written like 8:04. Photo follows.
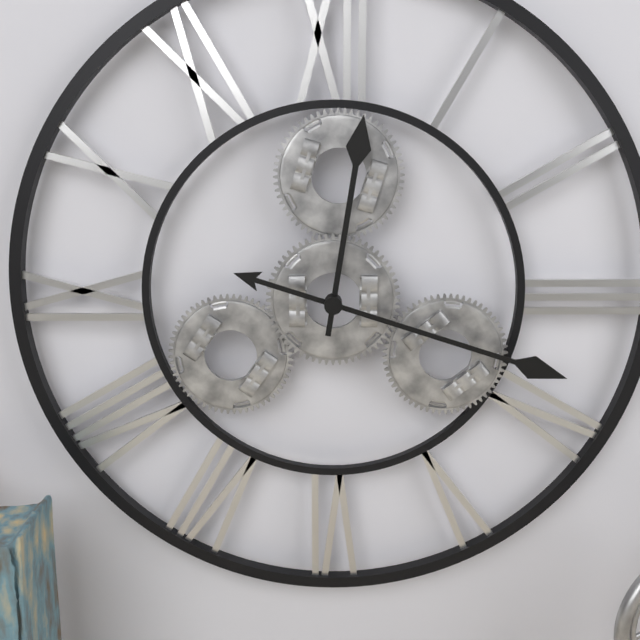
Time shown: 12:18
